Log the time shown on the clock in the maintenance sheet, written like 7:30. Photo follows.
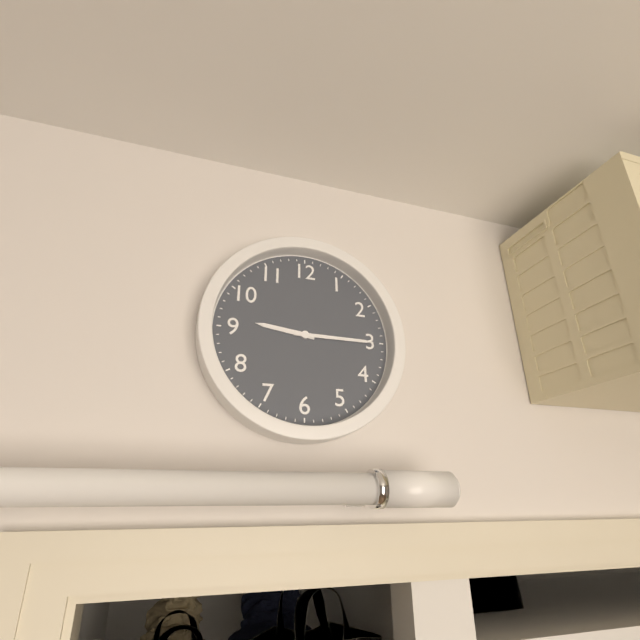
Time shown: 9:15
